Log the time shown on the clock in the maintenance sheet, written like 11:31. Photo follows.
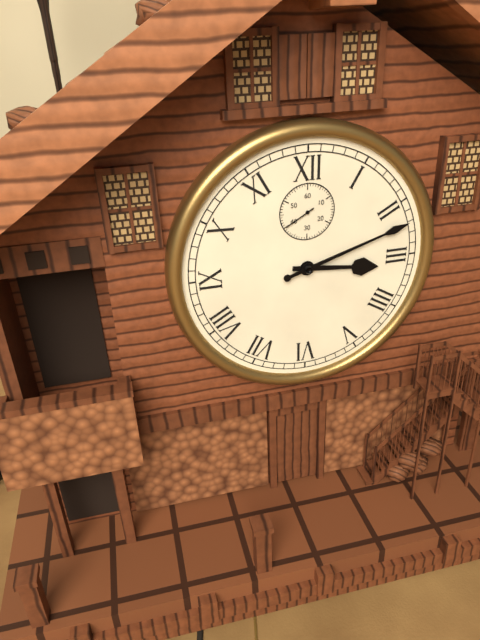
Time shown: 3:12
